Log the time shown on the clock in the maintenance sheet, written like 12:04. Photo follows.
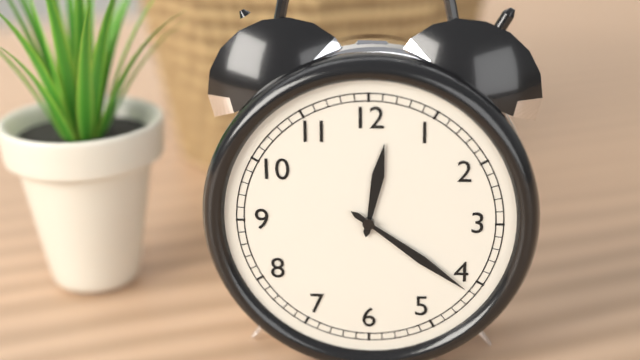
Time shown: 12:21
